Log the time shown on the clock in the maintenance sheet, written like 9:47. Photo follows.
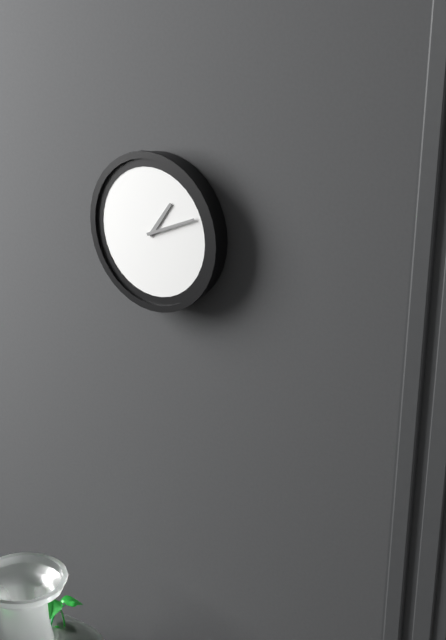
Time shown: 1:11
